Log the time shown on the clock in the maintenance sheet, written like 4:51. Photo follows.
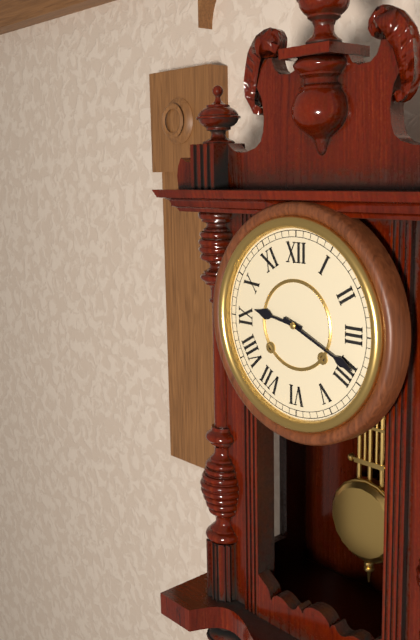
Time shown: 9:19
